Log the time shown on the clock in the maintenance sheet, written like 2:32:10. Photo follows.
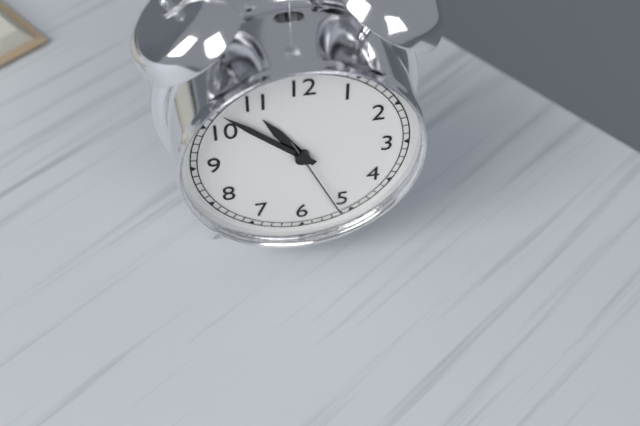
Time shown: 10:52:26
